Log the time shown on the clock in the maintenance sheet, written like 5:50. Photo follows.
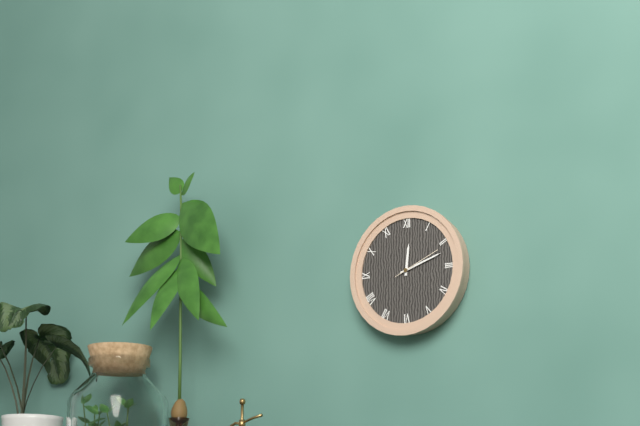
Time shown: 12:12
